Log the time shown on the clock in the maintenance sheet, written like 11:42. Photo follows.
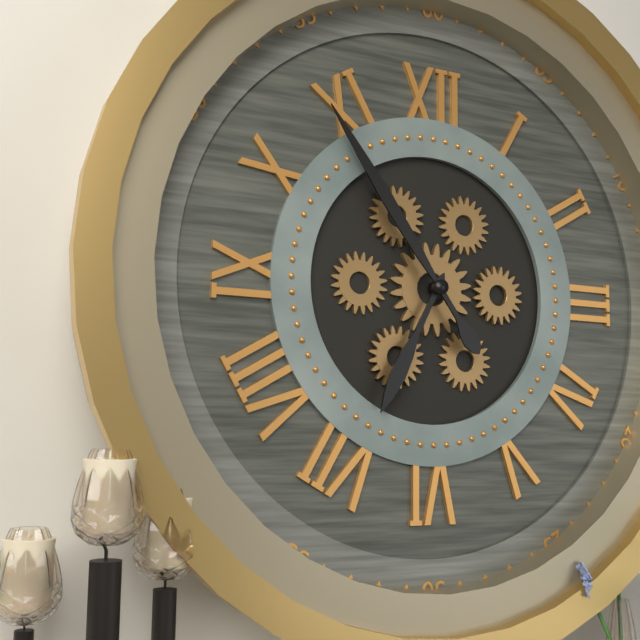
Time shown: 6:54
